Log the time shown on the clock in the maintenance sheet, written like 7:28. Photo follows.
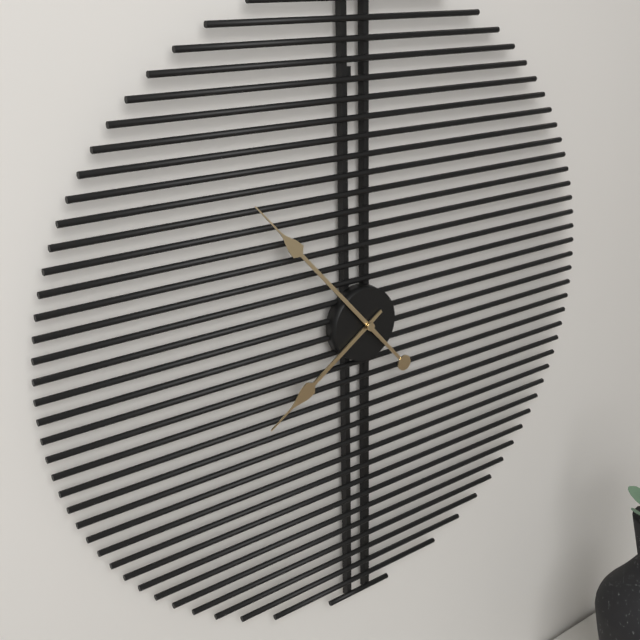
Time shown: 7:53
